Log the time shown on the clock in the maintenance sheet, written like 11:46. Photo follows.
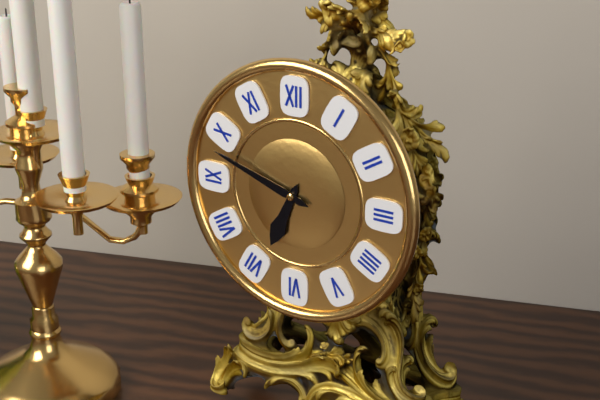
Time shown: 6:48
